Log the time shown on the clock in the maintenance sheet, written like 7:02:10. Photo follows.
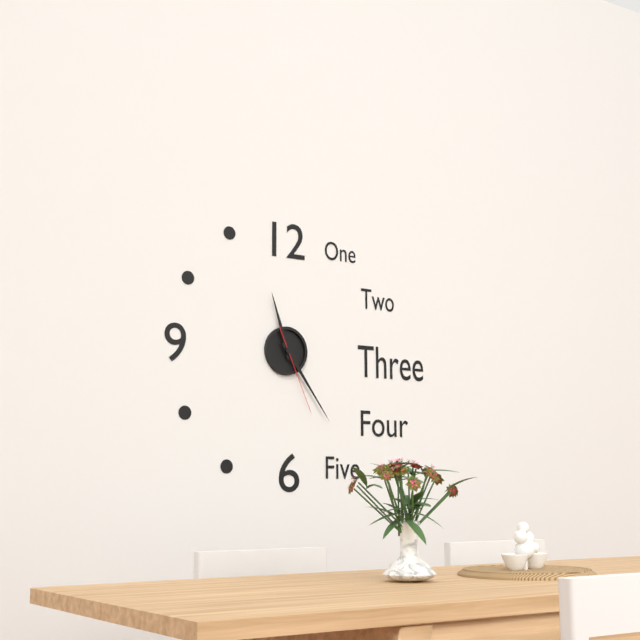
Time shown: 11:24:26
